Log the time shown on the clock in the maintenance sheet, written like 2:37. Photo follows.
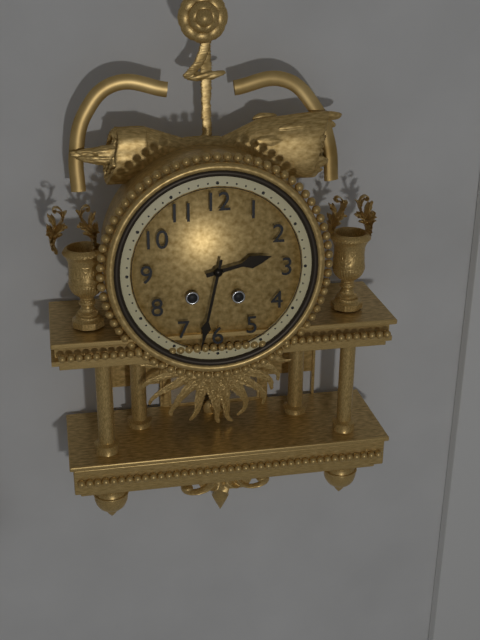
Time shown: 2:32
